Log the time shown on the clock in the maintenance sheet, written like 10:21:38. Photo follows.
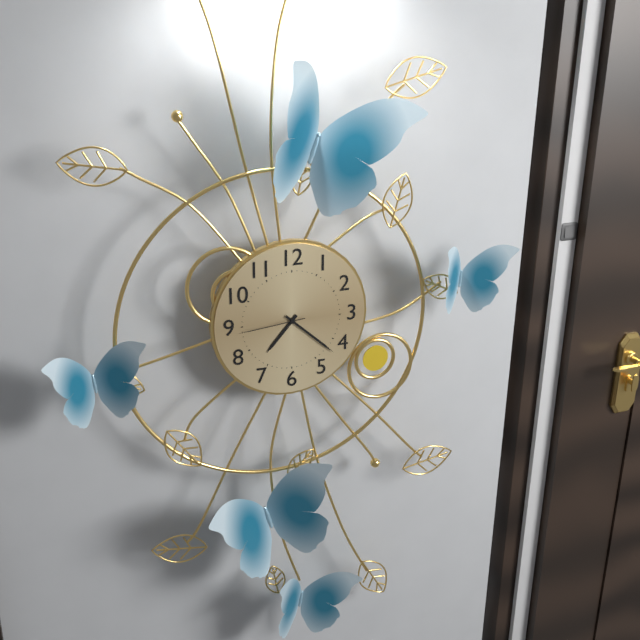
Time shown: 7:22:44
